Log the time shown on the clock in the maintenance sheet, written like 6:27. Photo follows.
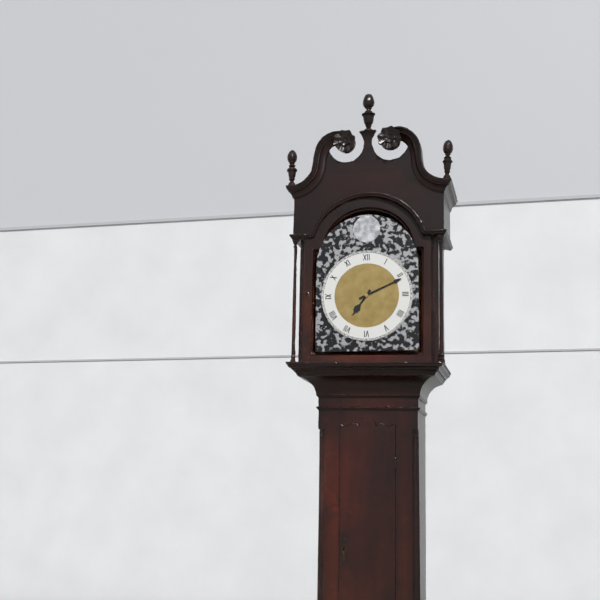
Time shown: 7:11
